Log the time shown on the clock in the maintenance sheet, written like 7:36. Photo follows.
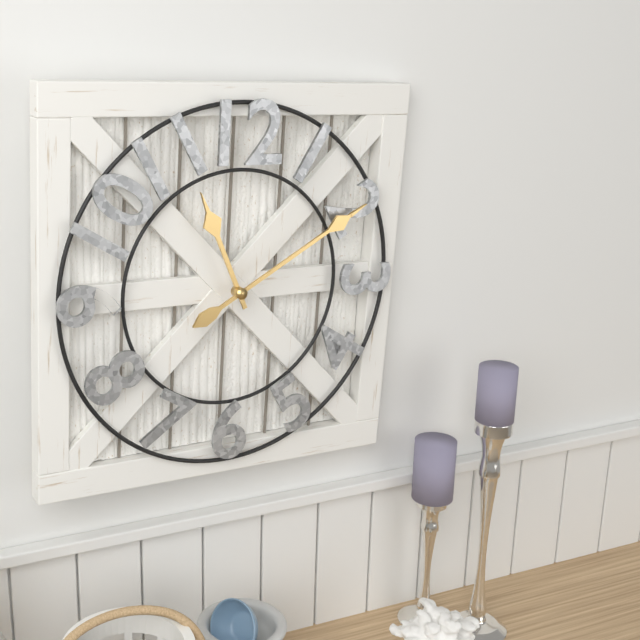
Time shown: 11:10
